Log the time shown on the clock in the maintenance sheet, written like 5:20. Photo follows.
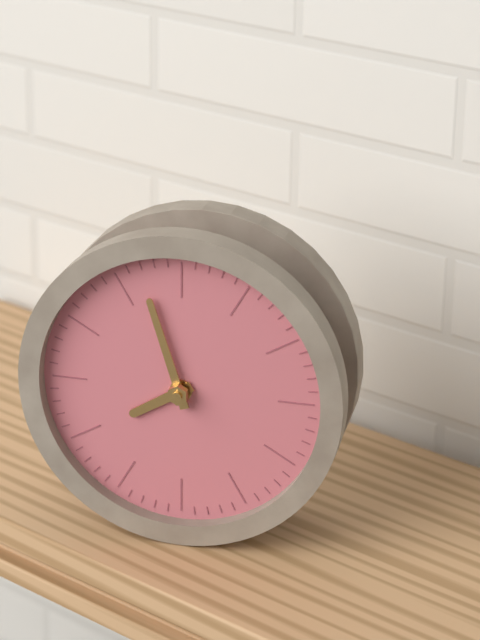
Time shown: 7:57
